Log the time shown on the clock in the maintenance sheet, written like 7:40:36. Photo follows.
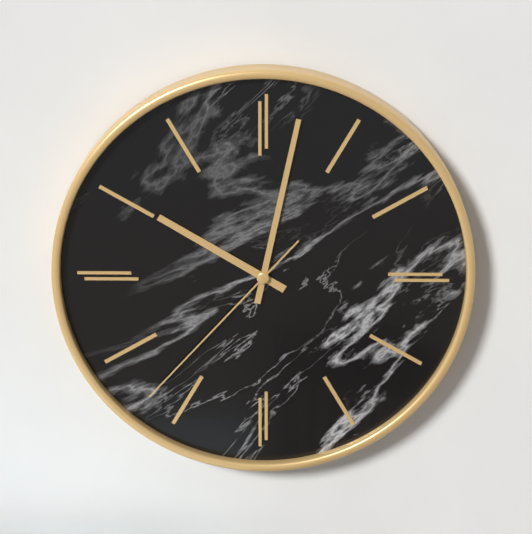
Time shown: 10:02:37
